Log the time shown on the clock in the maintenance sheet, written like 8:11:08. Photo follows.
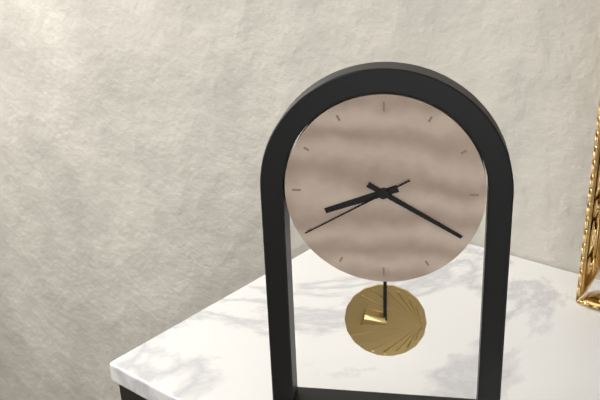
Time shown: 8:20:40
